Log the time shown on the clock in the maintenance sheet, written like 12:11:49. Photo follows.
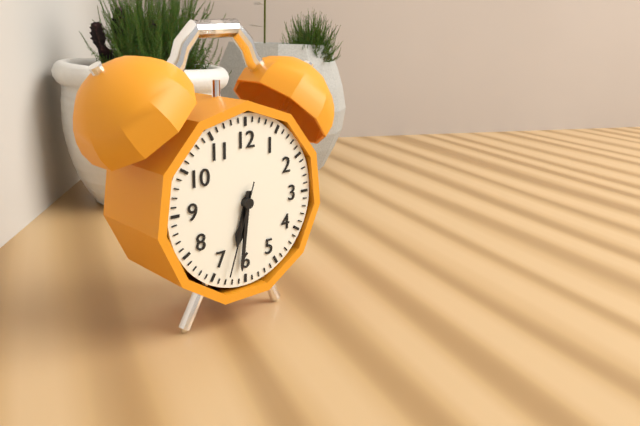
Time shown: 6:31:33
